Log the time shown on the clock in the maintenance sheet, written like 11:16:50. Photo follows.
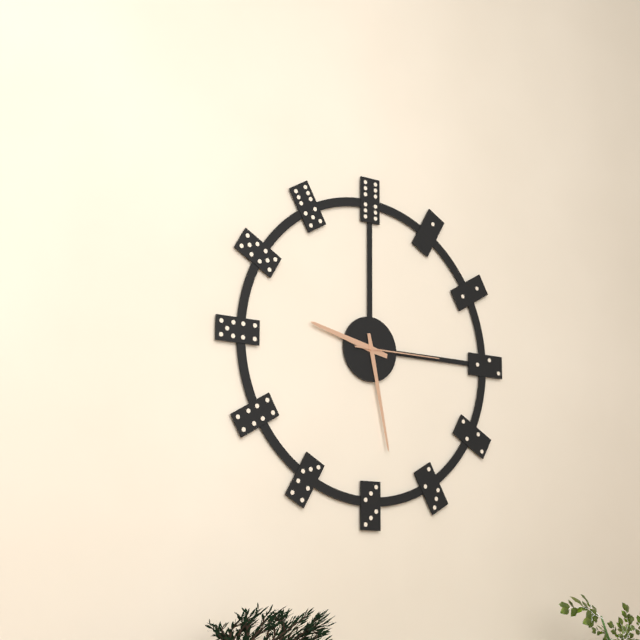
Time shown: 9:28:15
